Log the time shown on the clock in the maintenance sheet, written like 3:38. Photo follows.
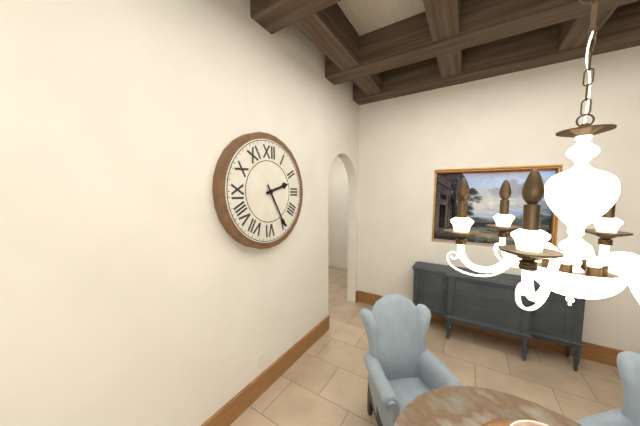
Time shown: 2:25
